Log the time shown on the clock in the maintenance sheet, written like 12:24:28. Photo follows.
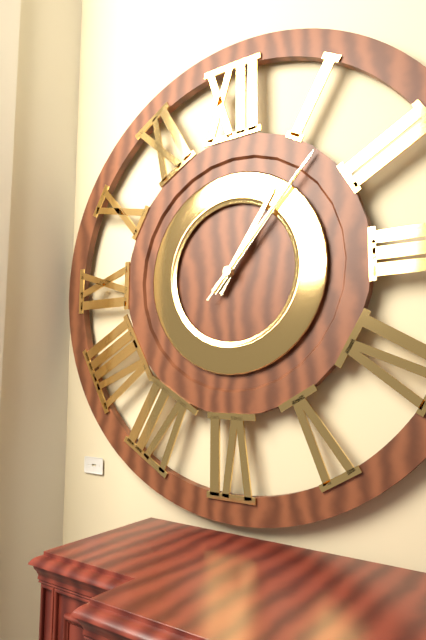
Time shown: 1:07:07
